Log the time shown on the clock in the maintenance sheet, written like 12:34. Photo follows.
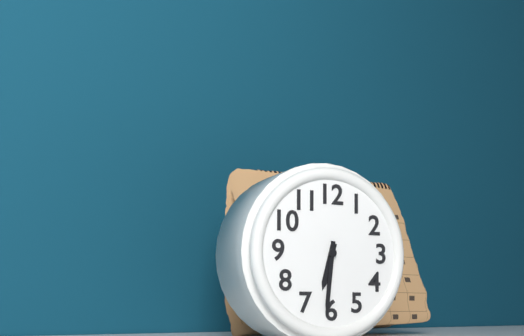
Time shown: 6:31
